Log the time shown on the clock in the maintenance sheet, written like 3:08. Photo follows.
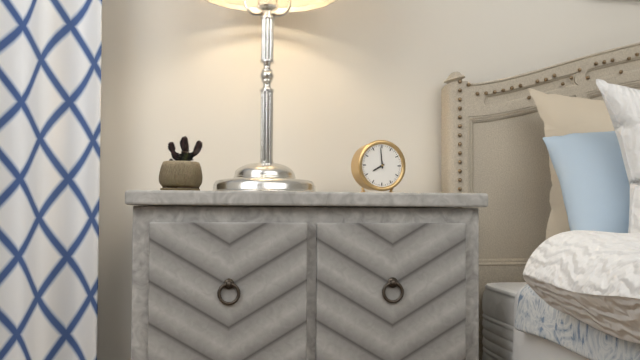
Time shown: 7:59
